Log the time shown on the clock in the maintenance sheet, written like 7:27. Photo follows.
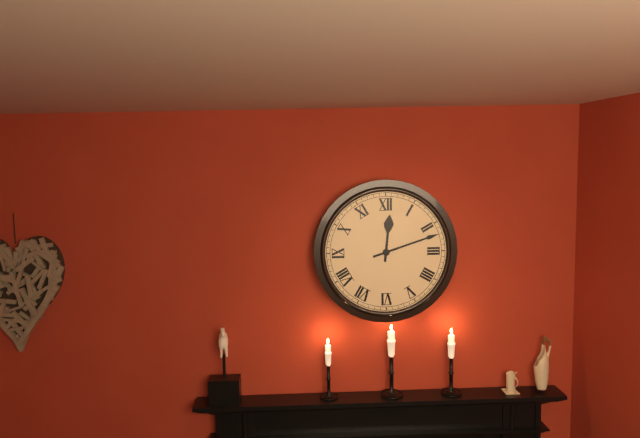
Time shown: 12:12
